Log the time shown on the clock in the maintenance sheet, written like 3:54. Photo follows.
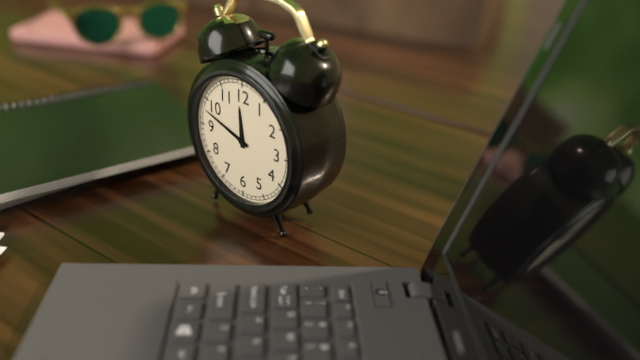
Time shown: 11:48
